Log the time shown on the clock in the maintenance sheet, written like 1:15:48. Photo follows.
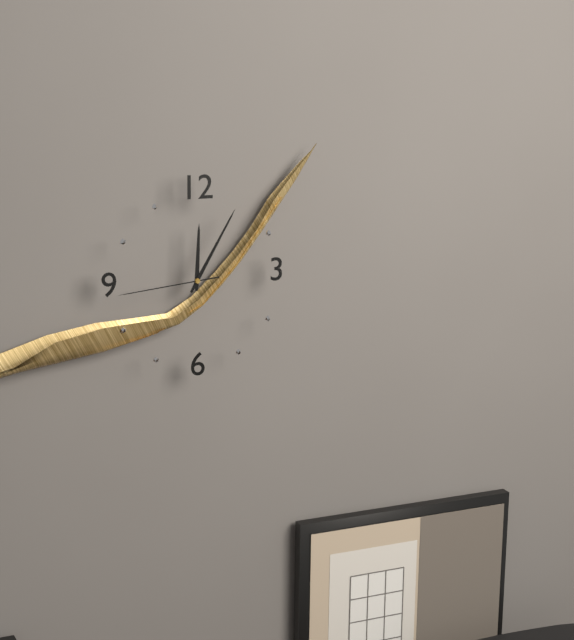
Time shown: 12:05:44
